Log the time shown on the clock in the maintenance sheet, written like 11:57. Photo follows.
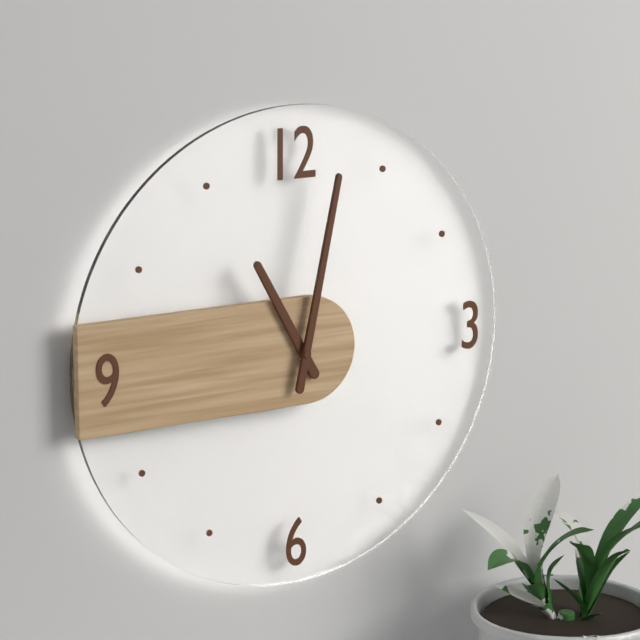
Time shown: 11:02
